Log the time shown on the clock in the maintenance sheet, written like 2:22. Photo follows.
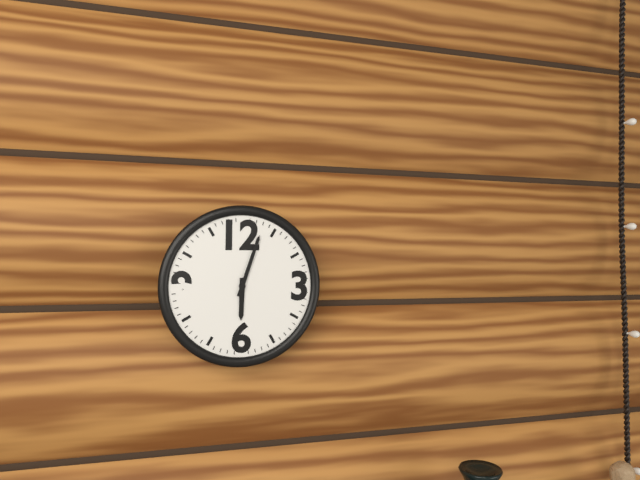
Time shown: 6:03
